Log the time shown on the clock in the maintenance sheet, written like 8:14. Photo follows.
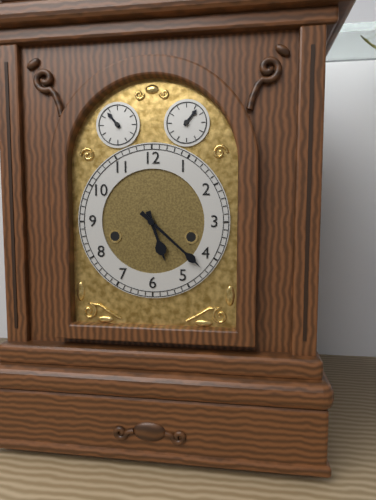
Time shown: 5:22
